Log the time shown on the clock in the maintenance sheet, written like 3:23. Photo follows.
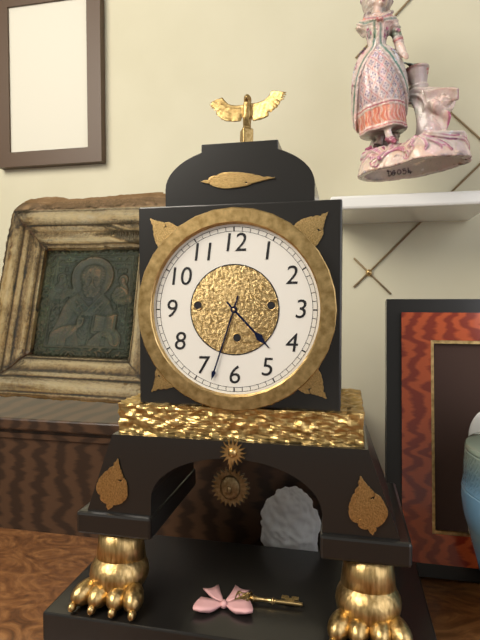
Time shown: 4:33
